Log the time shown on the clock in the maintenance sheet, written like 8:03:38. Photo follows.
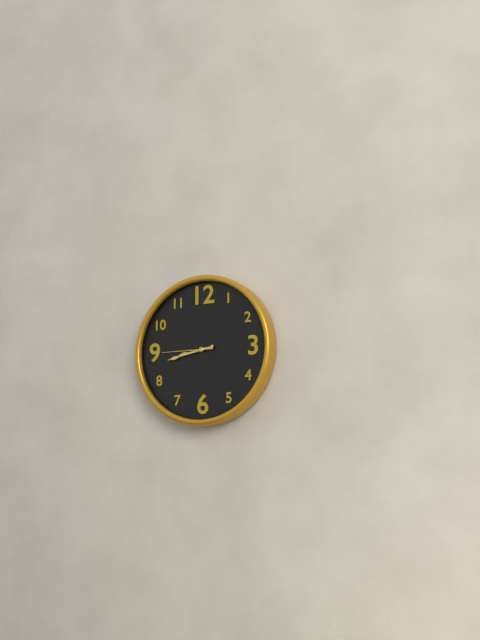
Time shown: 8:43:45
